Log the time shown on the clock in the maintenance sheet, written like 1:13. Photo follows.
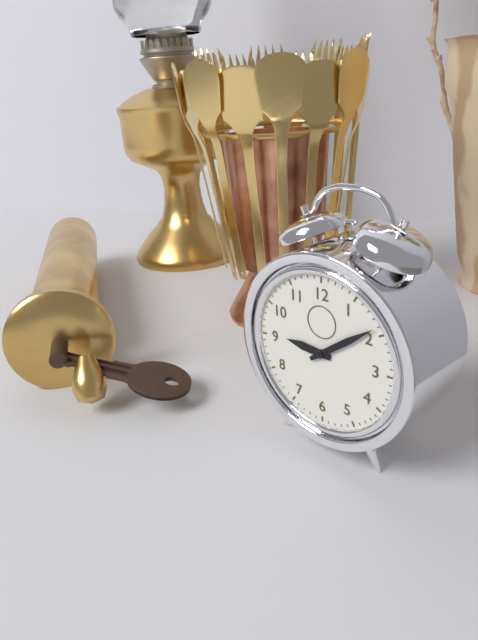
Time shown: 9:09
